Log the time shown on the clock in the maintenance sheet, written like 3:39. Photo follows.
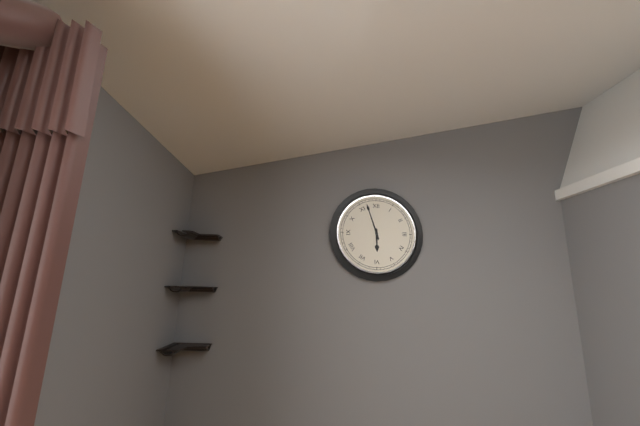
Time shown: 5:57
